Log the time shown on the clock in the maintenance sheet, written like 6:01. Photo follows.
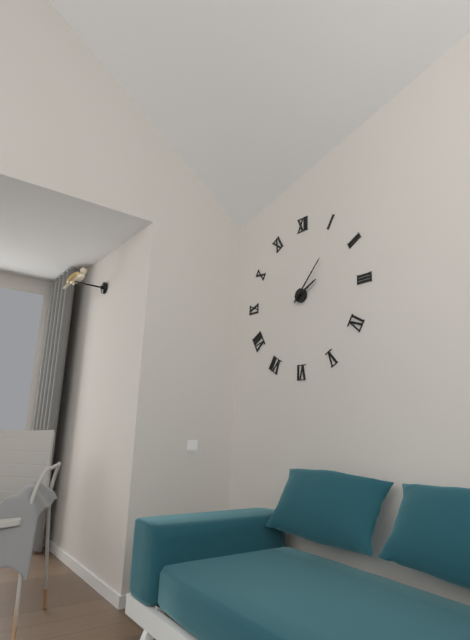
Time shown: 2:07
